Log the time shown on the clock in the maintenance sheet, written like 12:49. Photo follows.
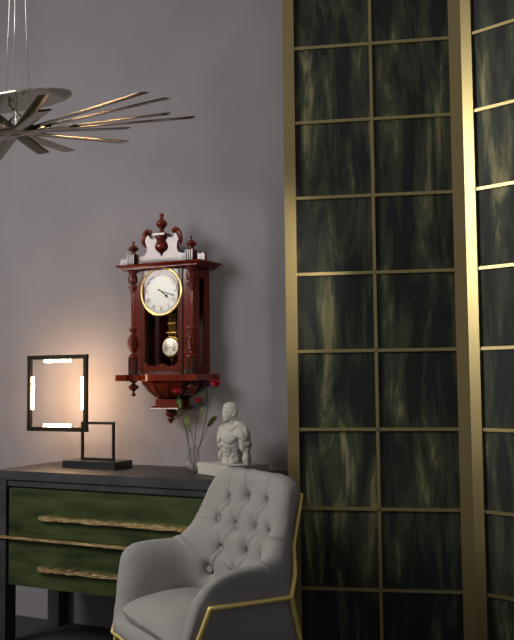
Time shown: 4:18
